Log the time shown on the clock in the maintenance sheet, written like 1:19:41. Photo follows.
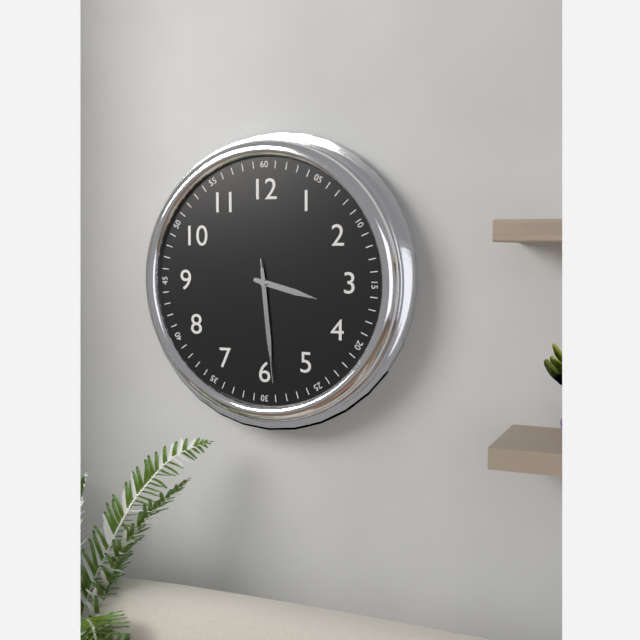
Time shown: 3:29:29
